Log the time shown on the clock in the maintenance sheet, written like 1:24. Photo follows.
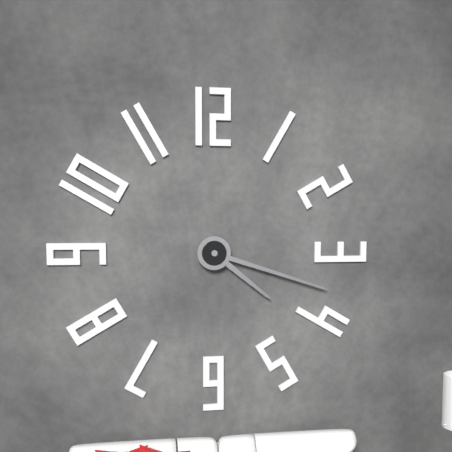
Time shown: 4:18
